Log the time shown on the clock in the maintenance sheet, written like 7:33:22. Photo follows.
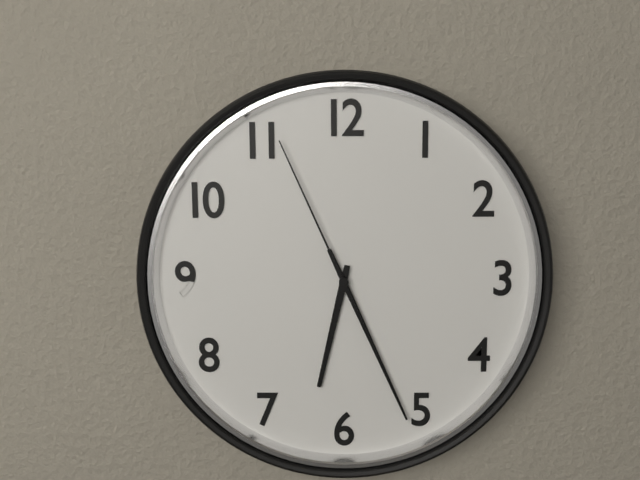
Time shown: 6:26:56
